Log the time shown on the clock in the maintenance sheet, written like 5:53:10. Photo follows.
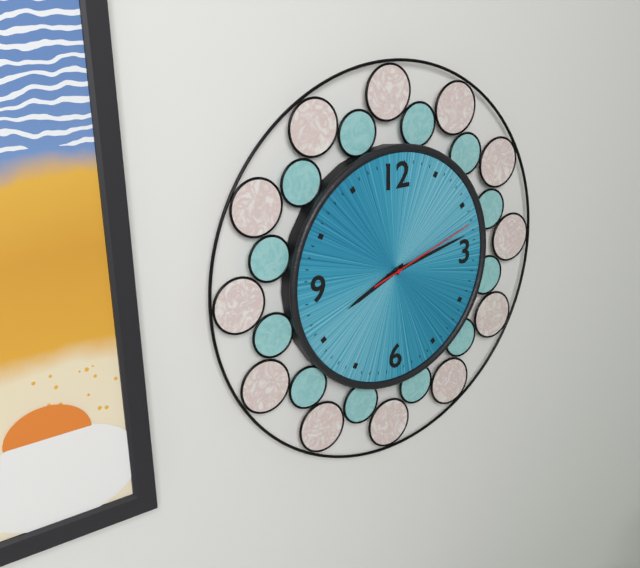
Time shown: 8:13:12
